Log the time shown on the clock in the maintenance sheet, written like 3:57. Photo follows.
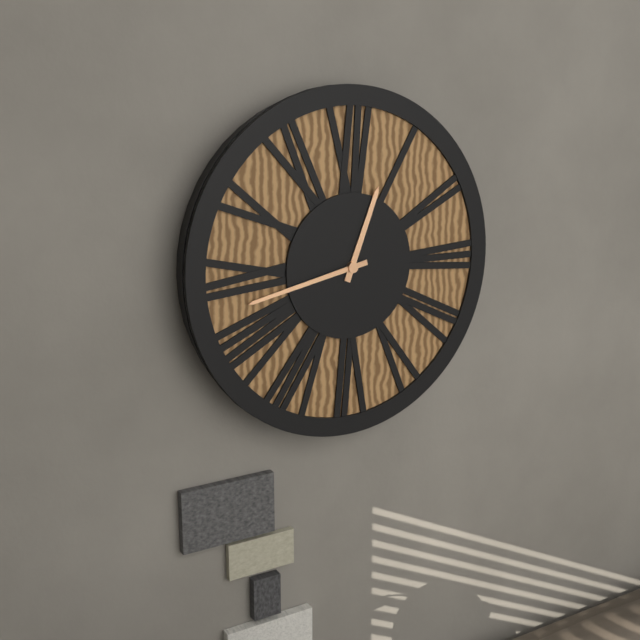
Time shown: 12:43
